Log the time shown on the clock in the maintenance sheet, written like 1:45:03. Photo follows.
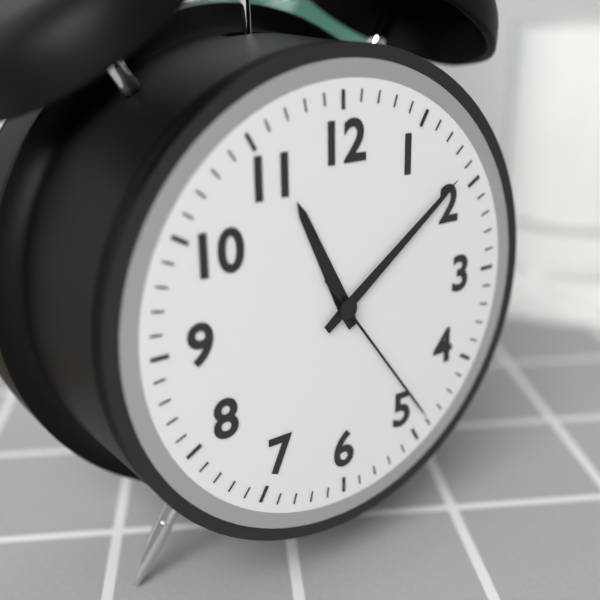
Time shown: 11:09:24
